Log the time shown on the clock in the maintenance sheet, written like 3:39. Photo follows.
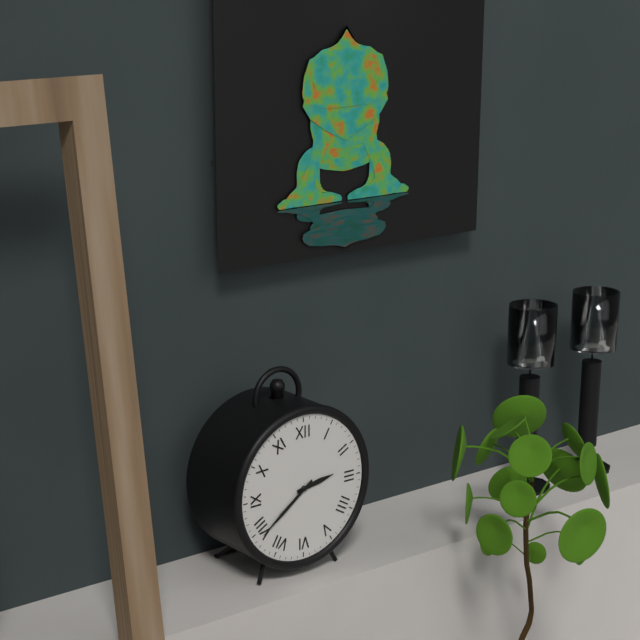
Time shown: 2:39
